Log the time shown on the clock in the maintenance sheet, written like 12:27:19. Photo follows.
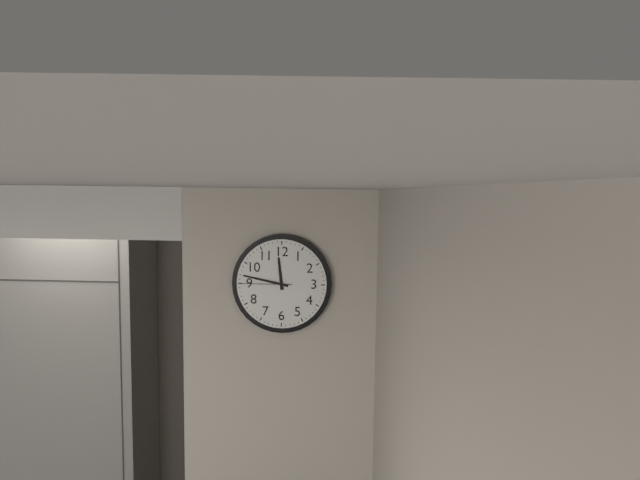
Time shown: 11:47:45
